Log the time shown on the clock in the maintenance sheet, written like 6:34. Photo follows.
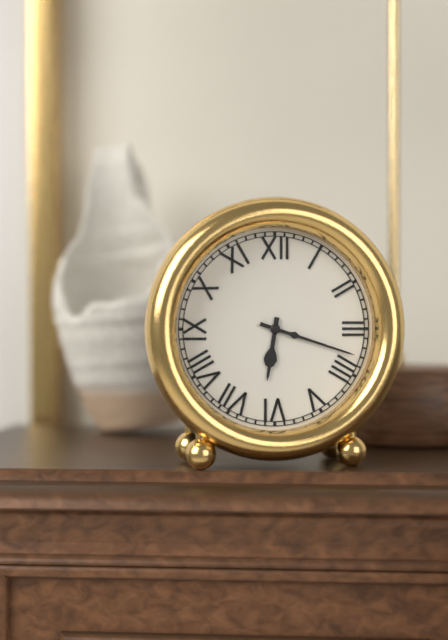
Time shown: 6:18
